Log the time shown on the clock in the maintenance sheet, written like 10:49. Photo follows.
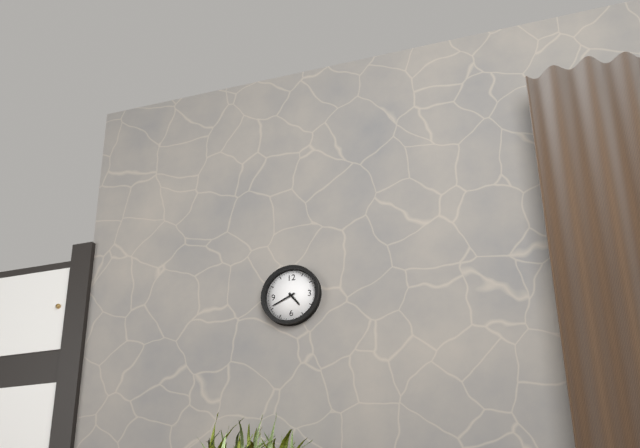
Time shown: 4:41
